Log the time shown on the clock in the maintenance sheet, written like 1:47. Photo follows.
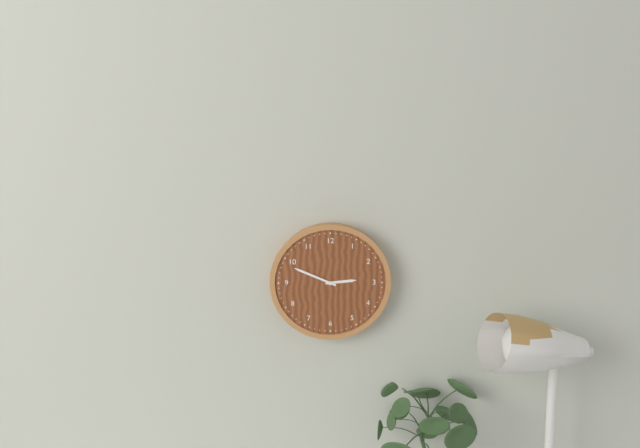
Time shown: 2:49
